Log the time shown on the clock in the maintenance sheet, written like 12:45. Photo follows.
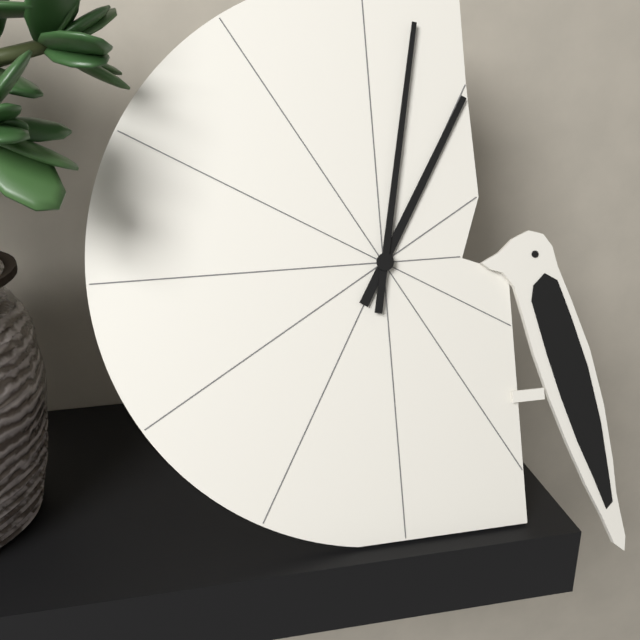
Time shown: 1:02
